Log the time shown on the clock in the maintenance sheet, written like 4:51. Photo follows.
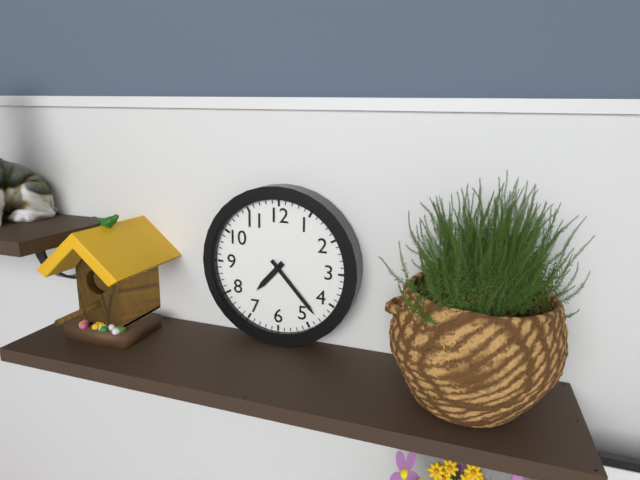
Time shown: 7:23
